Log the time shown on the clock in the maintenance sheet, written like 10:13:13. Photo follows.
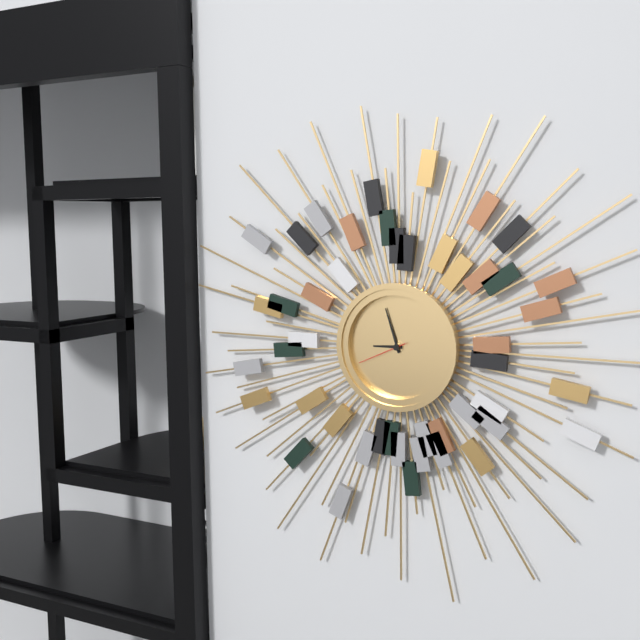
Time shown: 8:57:41
